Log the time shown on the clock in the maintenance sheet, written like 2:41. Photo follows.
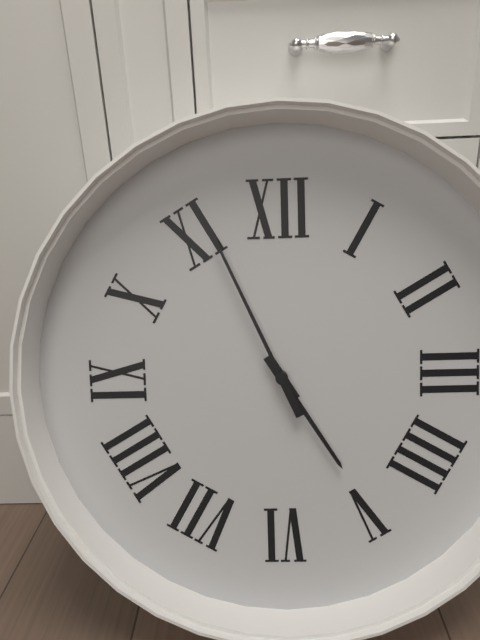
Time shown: 4:56
